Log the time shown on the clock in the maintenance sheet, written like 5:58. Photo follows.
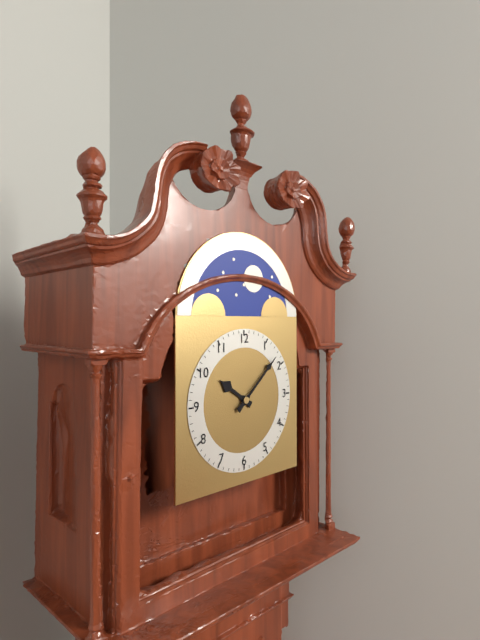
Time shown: 10:08
